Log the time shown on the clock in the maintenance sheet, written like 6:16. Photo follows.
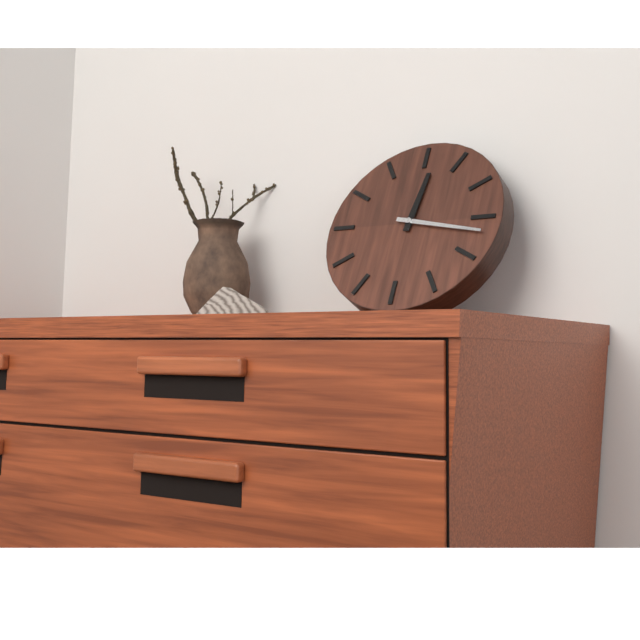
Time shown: 12:17
